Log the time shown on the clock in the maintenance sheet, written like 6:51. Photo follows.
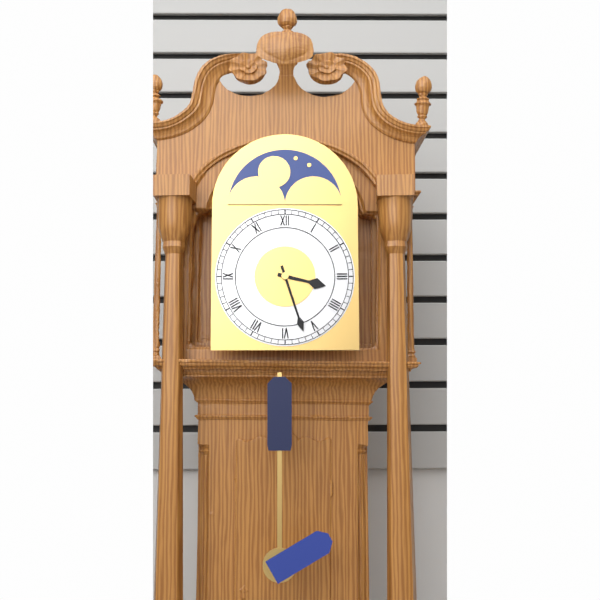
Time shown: 3:27
